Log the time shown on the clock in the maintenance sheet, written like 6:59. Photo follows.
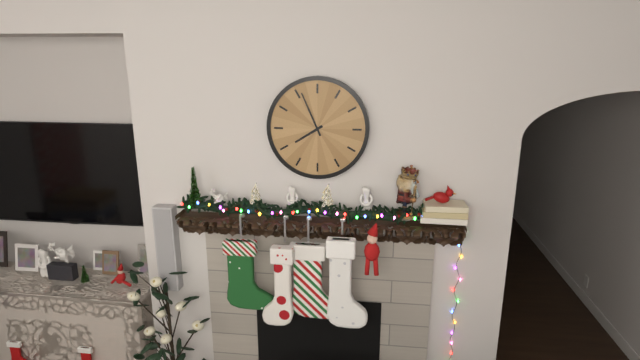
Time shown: 7:56
